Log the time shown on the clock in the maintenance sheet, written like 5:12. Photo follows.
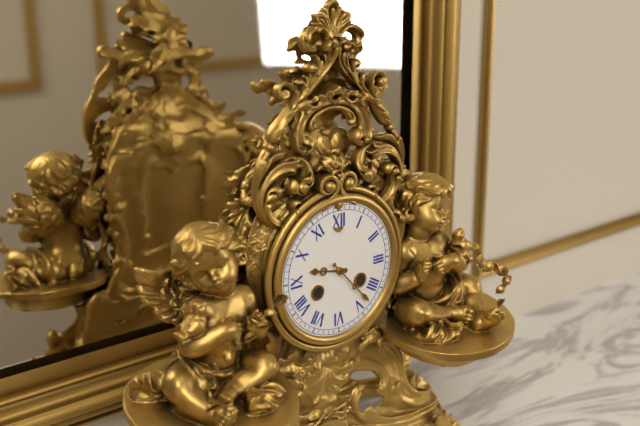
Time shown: 9:23
